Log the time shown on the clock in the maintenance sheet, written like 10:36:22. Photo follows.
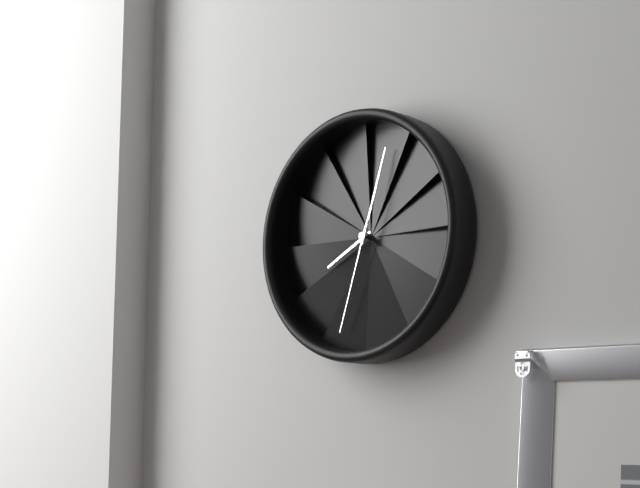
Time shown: 8:03:33
